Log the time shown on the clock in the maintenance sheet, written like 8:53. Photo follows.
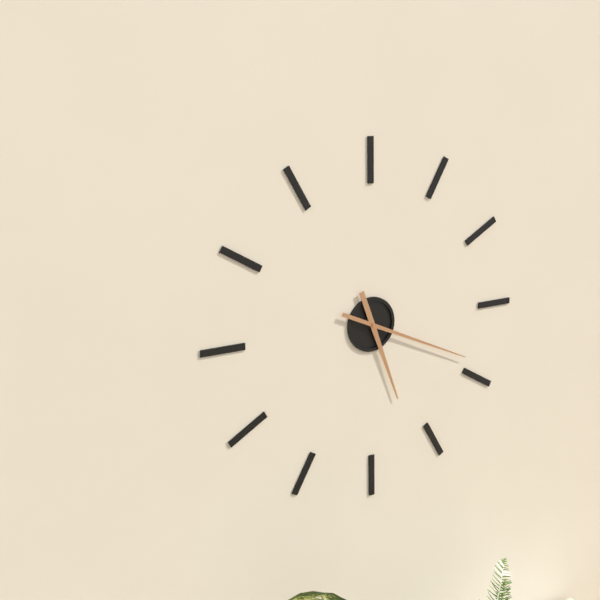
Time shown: 5:19
